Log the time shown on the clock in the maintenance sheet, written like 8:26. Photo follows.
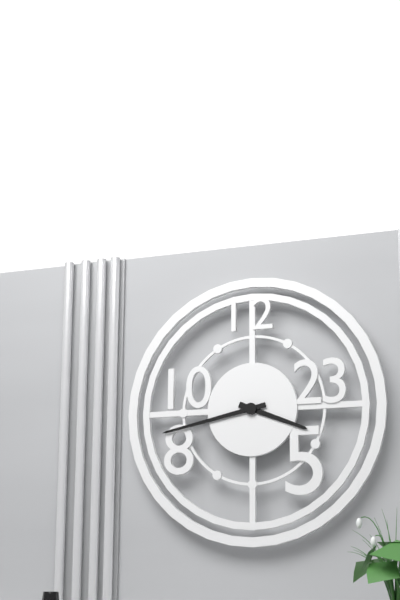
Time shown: 3:43
